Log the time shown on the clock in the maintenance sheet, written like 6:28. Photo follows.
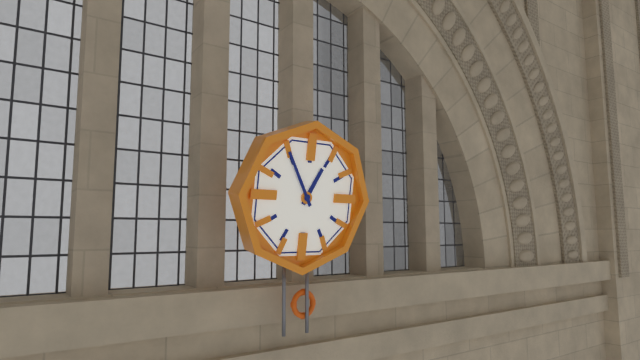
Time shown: 12:55
